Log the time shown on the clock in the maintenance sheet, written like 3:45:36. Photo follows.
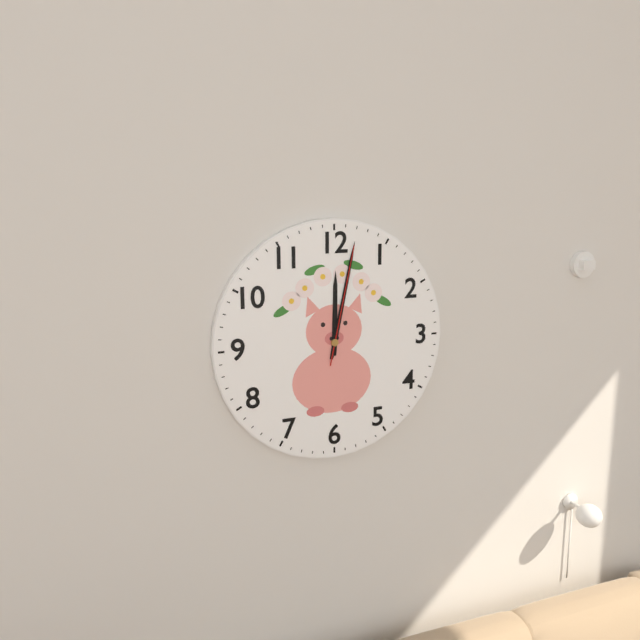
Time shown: 12:02:02
